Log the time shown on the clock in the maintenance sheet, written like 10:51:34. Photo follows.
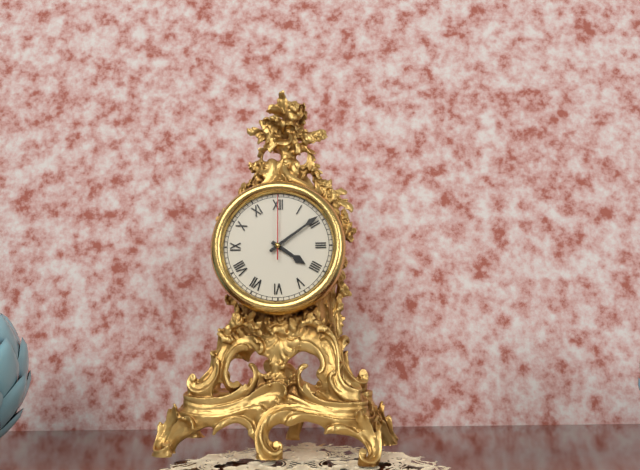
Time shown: 4:09:00
